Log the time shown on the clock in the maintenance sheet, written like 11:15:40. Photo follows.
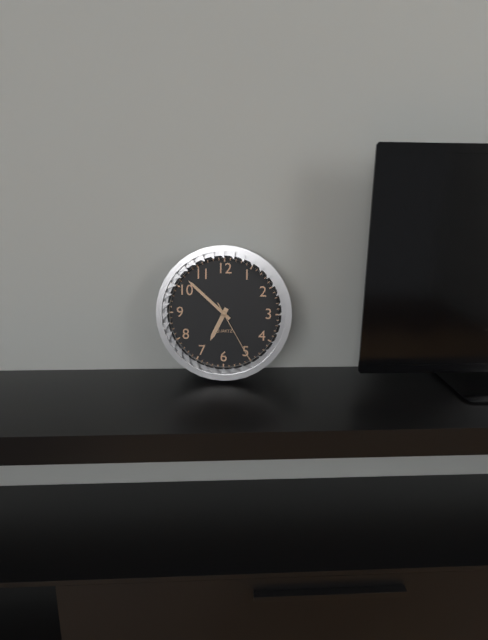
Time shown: 6:52:25
